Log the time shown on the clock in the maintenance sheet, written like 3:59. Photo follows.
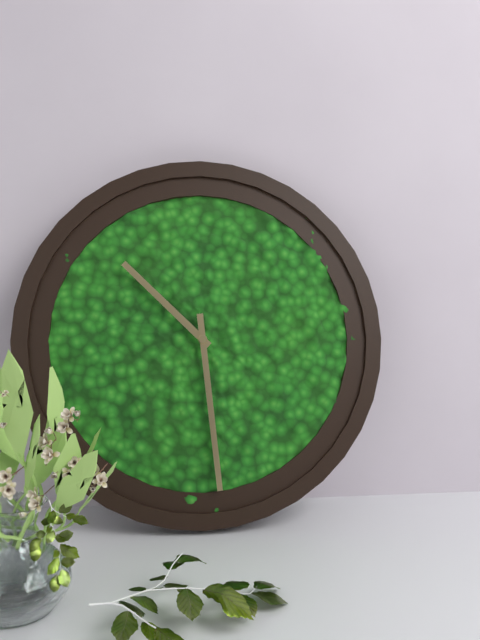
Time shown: 10:29
